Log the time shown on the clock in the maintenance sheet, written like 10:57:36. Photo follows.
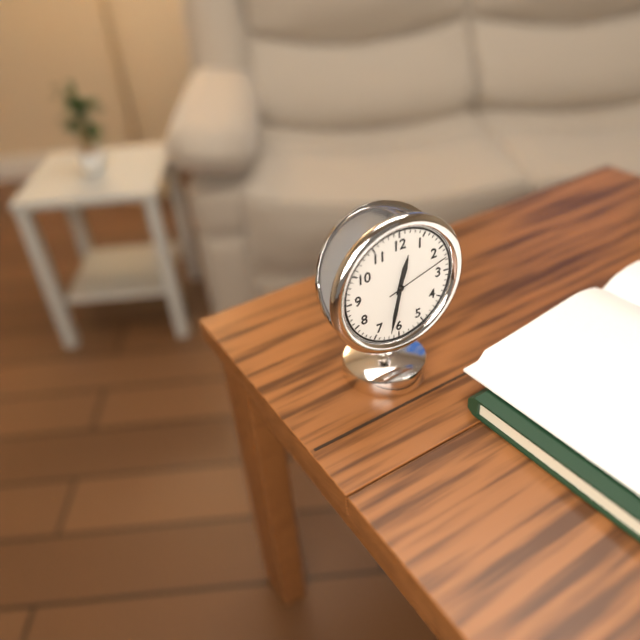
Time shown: 12:32:12
